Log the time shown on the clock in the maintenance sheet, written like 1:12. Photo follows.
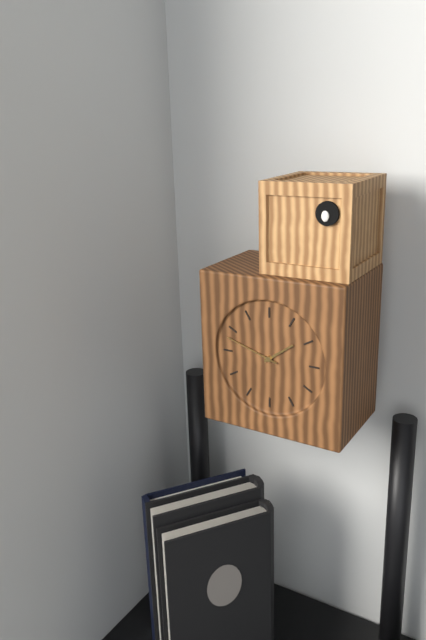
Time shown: 1:48
